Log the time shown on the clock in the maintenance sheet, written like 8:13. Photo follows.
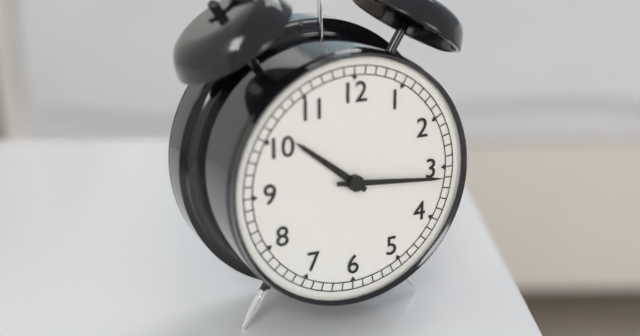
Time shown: 10:16
